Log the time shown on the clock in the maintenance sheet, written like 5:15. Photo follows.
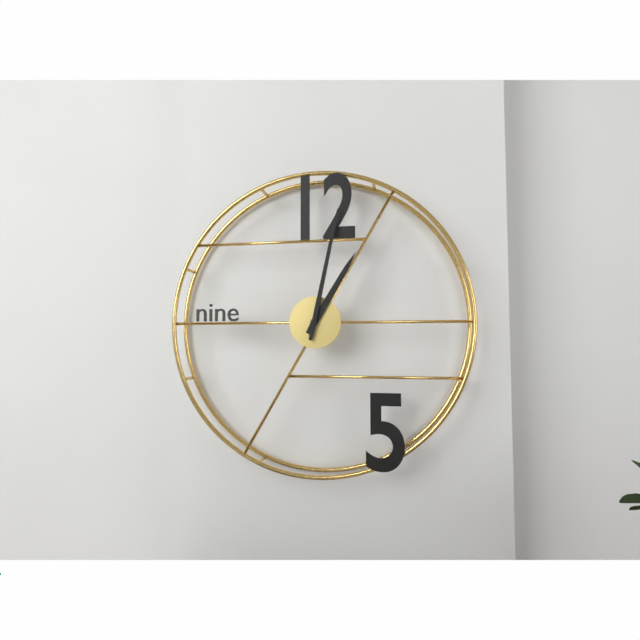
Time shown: 1:02
